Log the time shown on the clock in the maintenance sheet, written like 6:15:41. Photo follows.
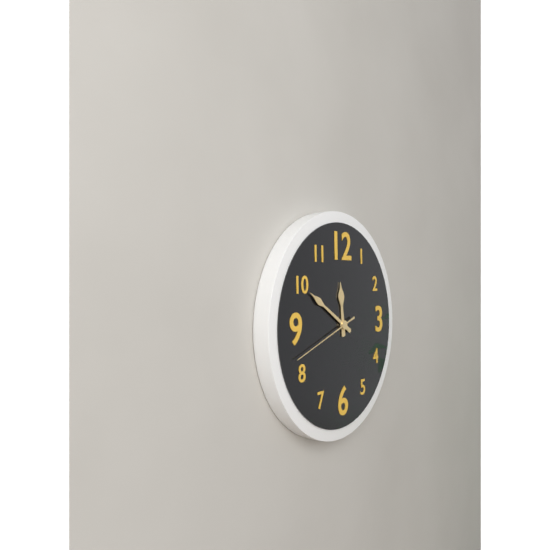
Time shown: 11:50:42
